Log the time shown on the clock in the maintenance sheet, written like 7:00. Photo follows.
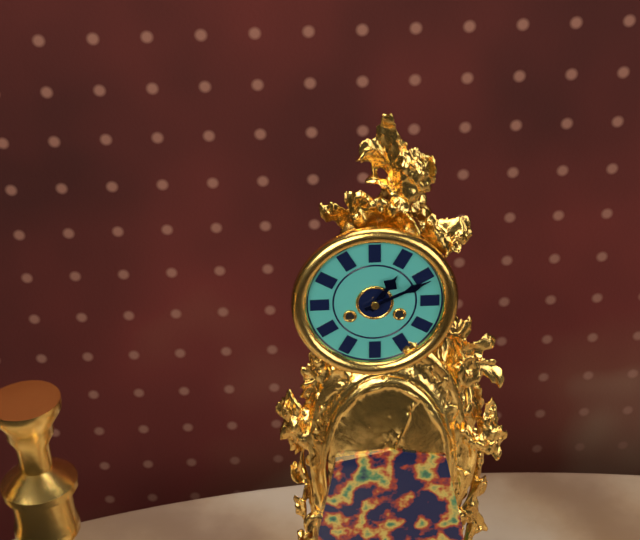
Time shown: 1:11
